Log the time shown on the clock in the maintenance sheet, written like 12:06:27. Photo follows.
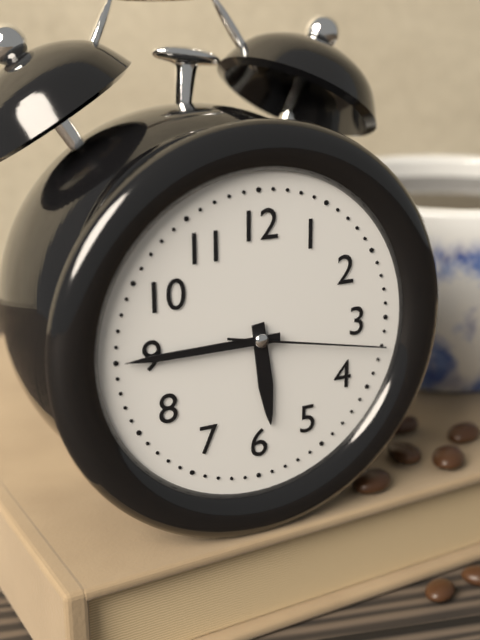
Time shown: 5:45:17
